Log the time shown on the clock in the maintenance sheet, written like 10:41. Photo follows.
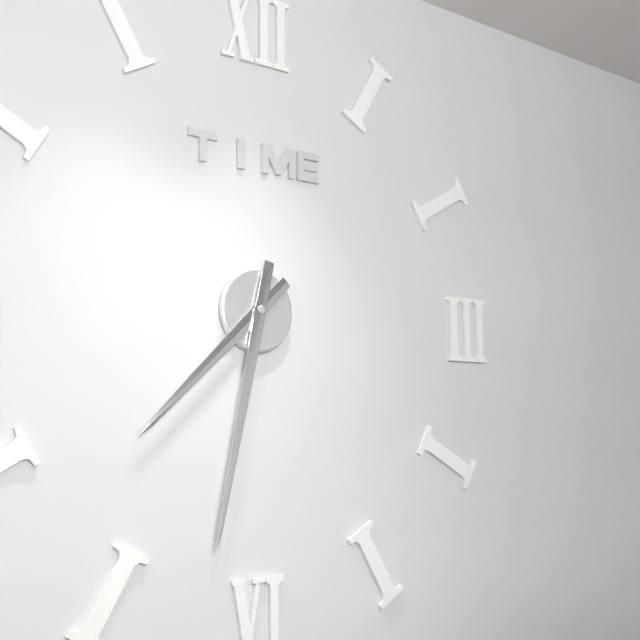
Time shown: 7:32
